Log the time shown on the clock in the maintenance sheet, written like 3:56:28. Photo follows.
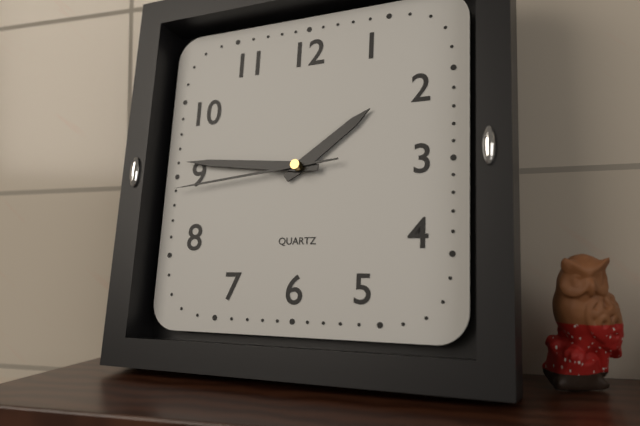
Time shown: 1:46:44
